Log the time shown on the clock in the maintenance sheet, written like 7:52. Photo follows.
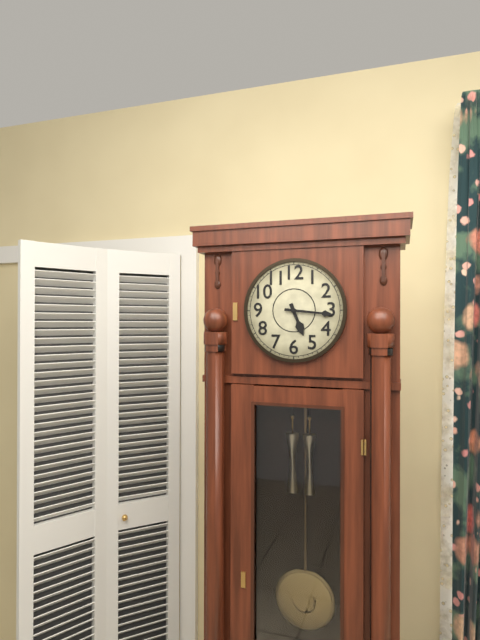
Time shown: 5:16
